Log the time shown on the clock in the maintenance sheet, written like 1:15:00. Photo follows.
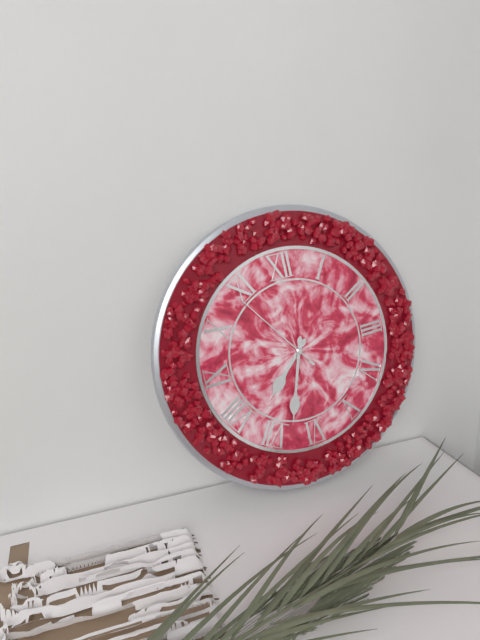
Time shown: 7:33:54
